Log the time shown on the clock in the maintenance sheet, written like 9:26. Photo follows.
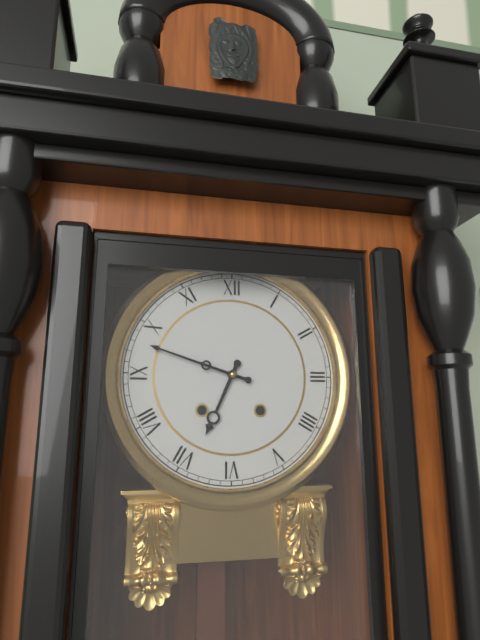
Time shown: 6:48
